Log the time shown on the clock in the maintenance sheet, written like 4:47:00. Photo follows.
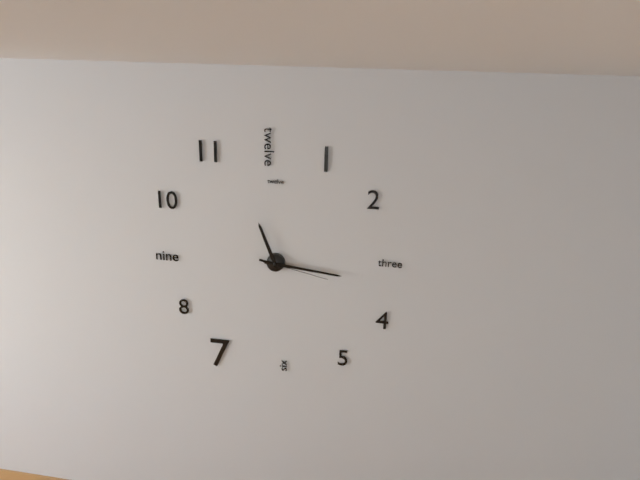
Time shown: 11:16:17
